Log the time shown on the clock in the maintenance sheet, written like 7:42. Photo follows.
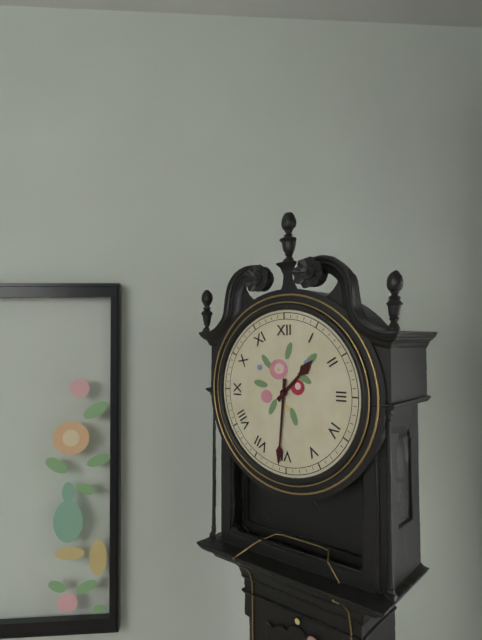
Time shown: 1:31
